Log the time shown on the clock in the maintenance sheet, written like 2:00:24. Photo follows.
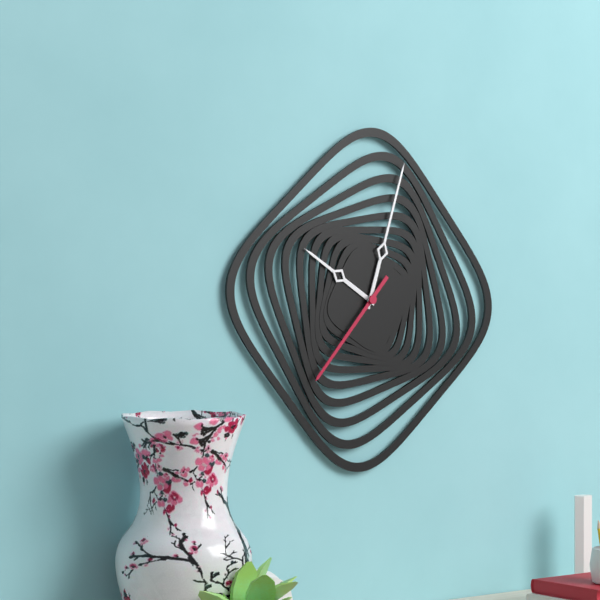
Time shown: 10:03:37
